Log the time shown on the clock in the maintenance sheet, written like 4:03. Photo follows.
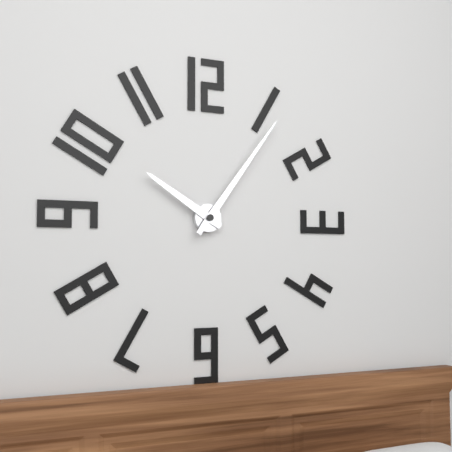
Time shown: 10:06
